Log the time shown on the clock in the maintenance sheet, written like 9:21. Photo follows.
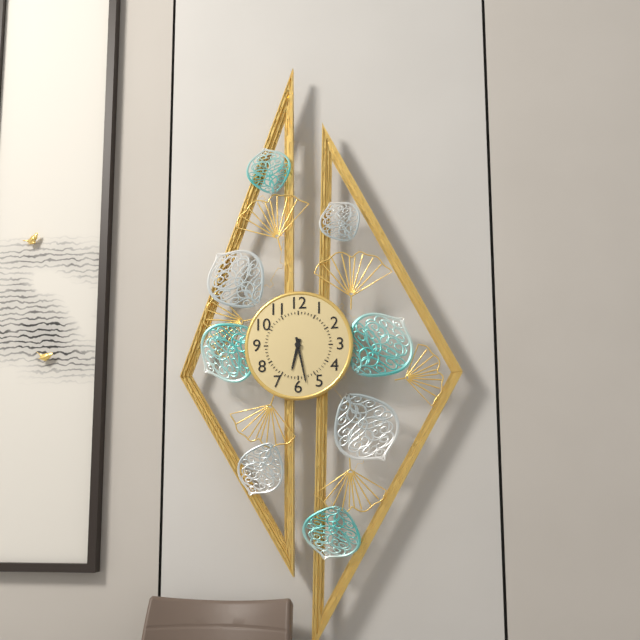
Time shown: 6:28
